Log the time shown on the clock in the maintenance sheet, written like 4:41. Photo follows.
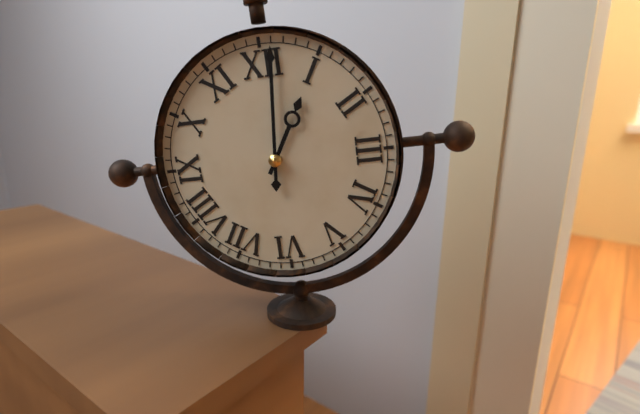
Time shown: 1:01
